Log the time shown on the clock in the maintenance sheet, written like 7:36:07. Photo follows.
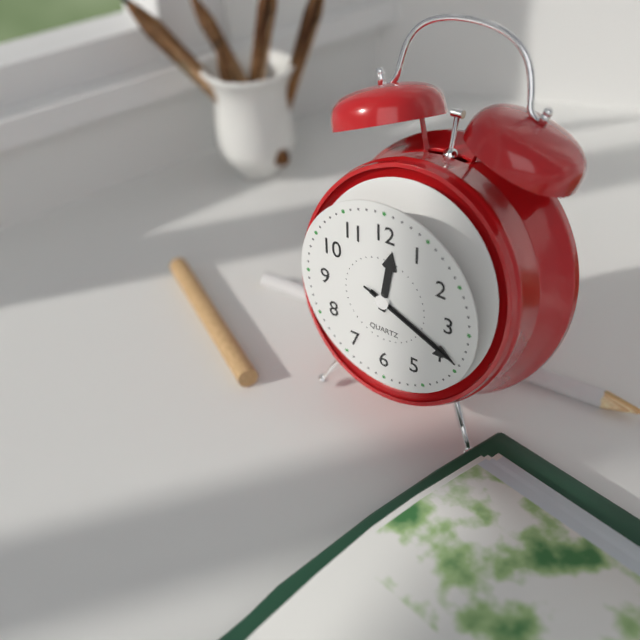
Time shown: 12:19:19
